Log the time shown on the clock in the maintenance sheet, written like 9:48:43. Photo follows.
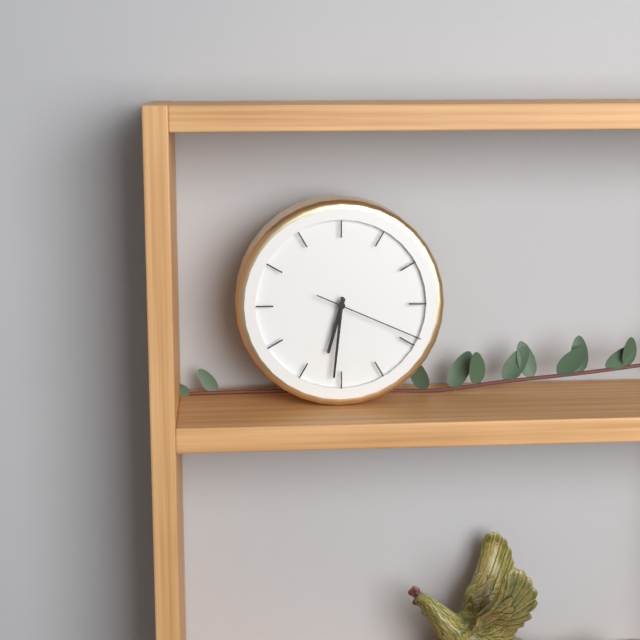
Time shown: 6:31:19
